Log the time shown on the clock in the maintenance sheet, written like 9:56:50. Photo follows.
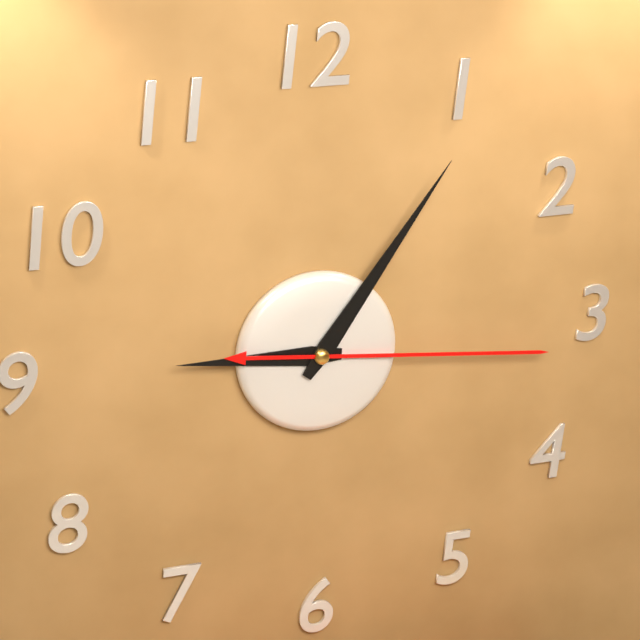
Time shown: 9:06:16
